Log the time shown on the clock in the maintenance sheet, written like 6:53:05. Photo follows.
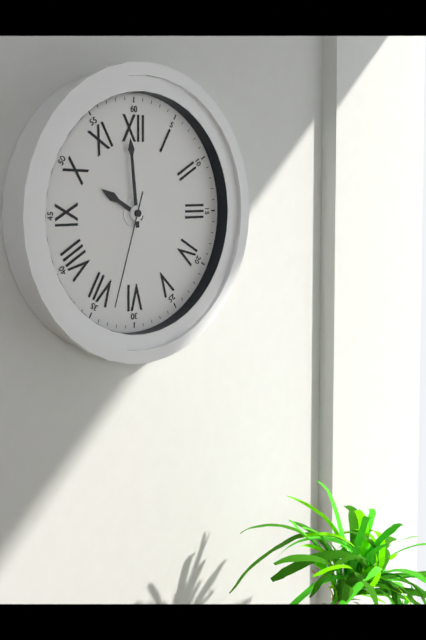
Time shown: 9:59:33
